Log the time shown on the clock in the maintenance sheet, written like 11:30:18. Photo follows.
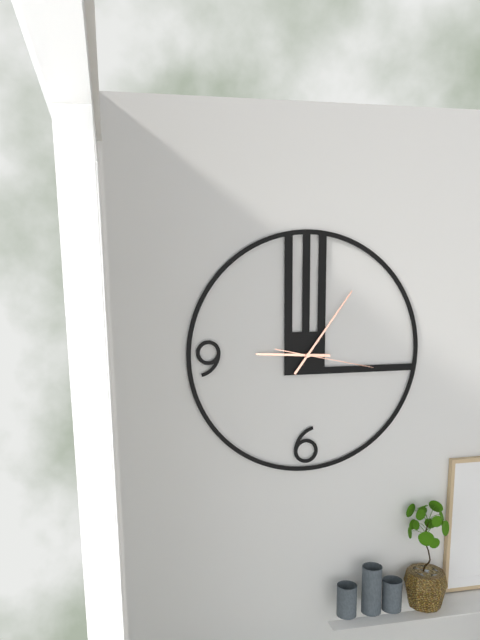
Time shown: 9:06:17
